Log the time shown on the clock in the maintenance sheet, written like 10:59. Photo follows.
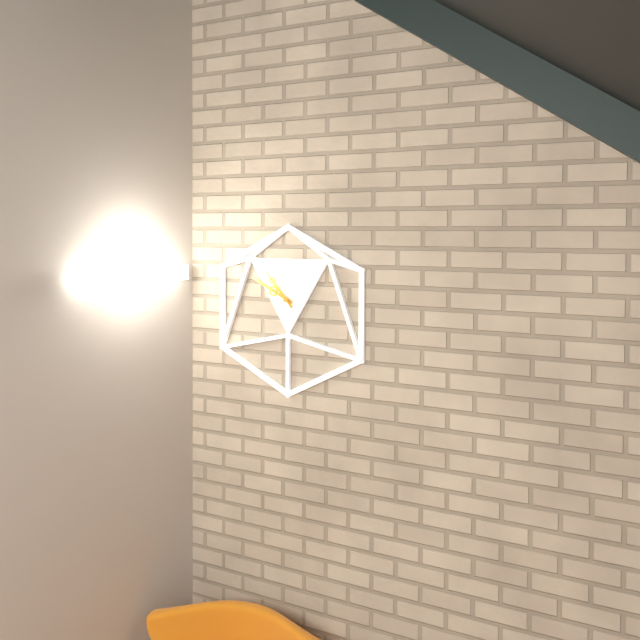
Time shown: 9:53
